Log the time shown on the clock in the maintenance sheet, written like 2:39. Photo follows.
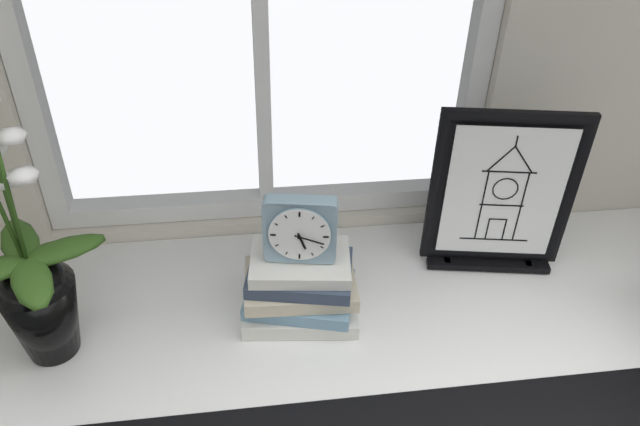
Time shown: 5:18
